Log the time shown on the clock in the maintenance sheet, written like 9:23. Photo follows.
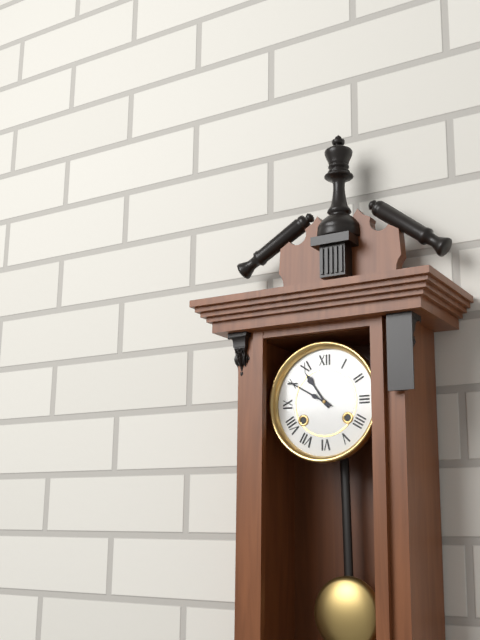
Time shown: 10:50
